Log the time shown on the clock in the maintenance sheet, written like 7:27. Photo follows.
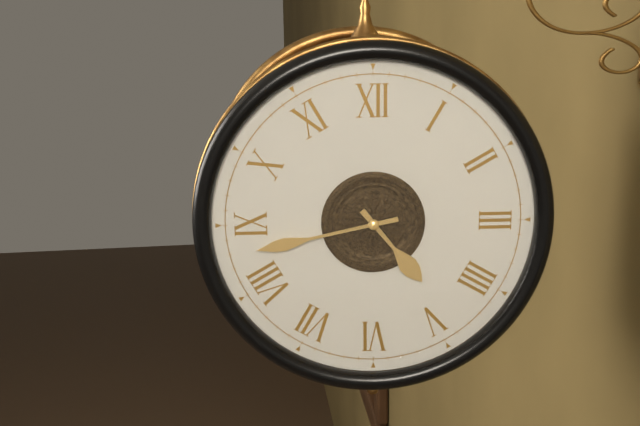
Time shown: 4:43
